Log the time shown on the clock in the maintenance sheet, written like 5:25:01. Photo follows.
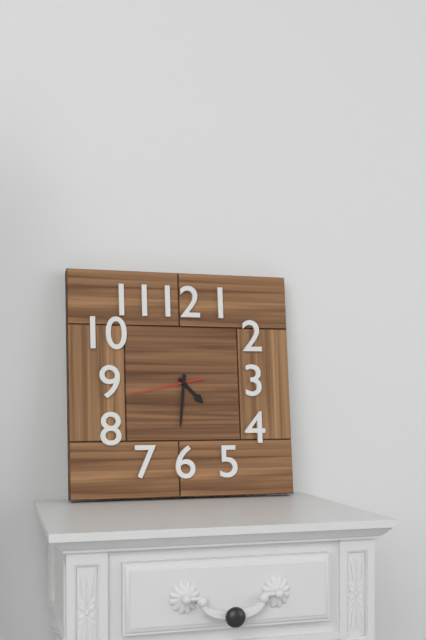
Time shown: 4:31:43
